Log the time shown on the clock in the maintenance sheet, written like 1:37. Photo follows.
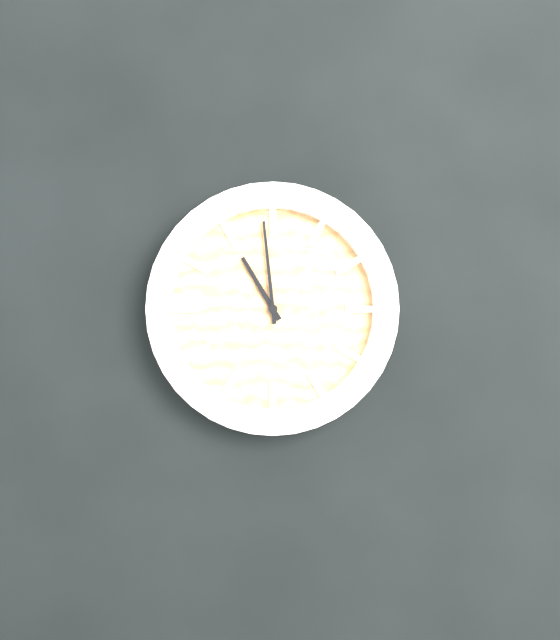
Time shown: 10:59
